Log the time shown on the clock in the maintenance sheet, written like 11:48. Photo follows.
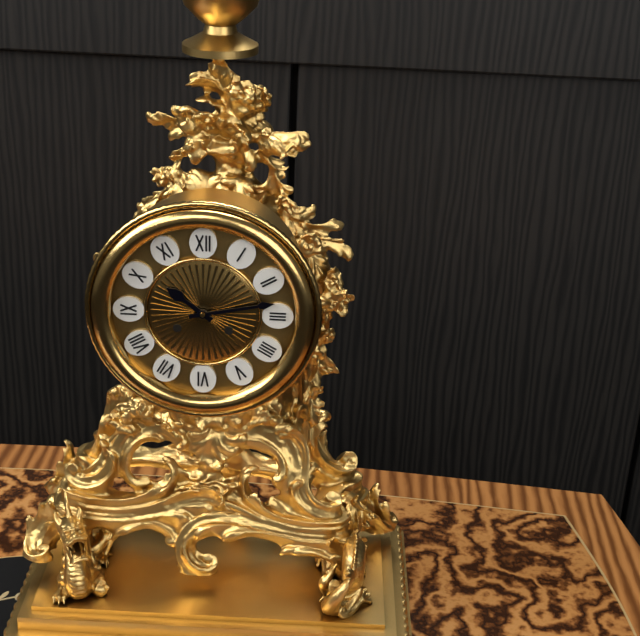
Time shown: 10:13
